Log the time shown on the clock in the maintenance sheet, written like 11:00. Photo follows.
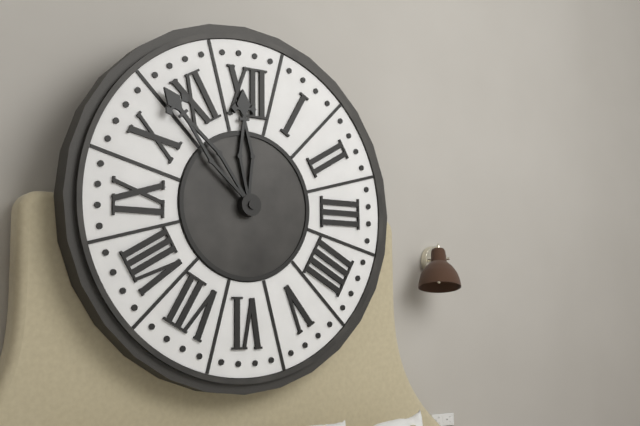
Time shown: 11:53
